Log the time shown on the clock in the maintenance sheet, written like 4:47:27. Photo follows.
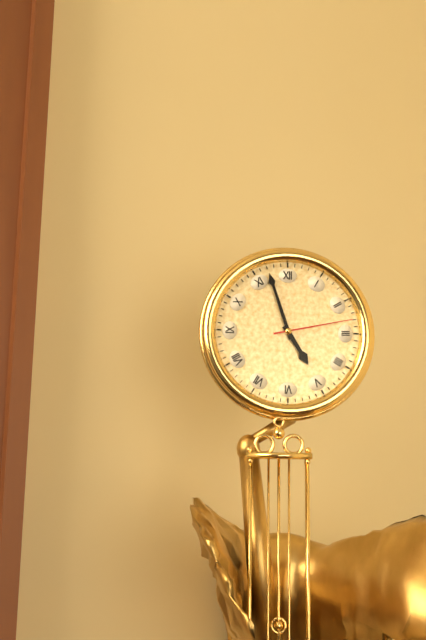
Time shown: 4:57:13
